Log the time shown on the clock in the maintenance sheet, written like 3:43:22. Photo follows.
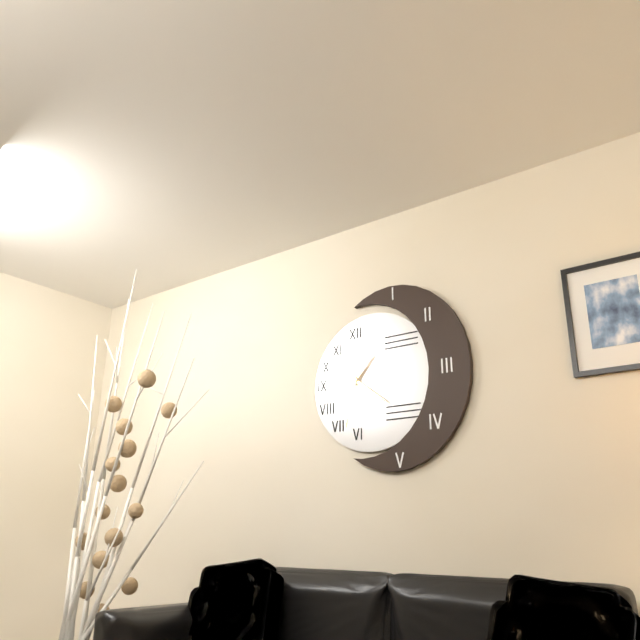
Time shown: 1:21:32
